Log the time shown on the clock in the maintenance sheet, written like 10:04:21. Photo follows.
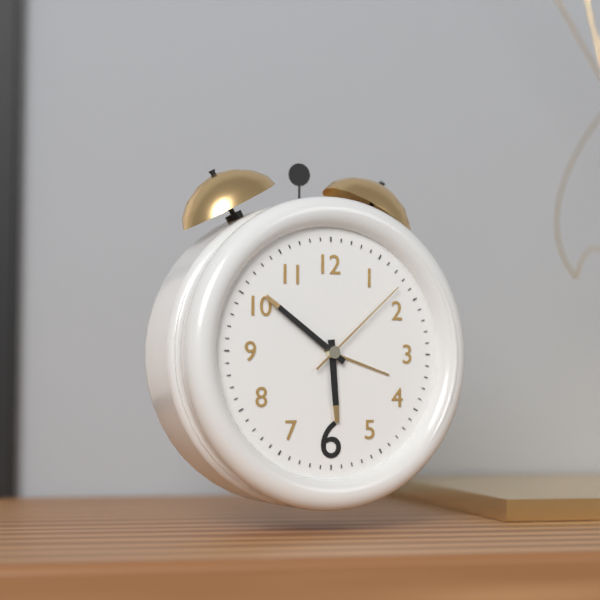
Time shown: 5:51:08
